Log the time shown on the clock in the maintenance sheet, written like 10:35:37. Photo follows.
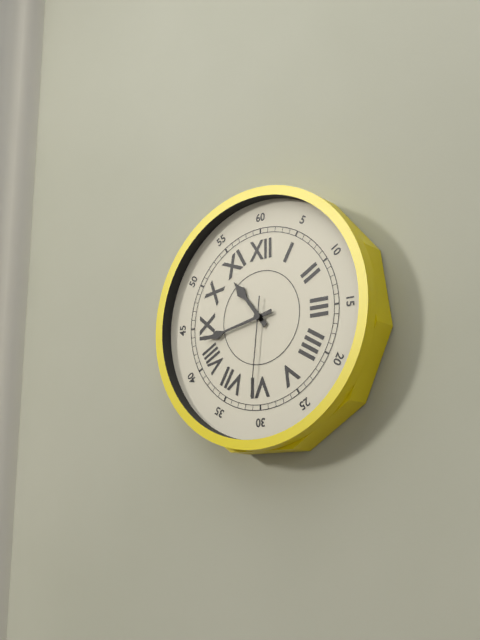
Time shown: 10:43:31
